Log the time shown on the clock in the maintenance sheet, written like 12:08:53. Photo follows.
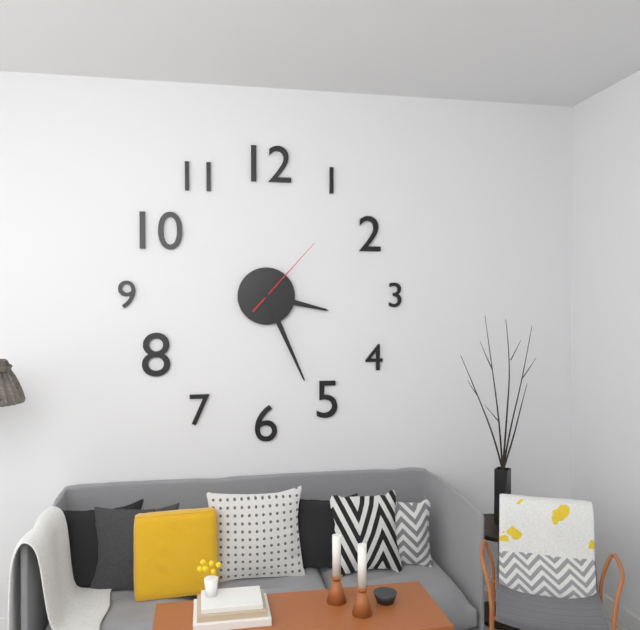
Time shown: 3:26:07
